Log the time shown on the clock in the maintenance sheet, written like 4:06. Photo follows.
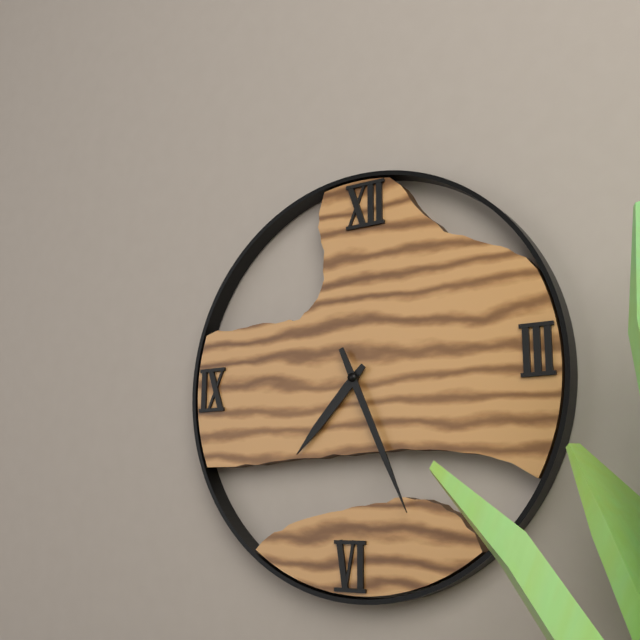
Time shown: 7:26
